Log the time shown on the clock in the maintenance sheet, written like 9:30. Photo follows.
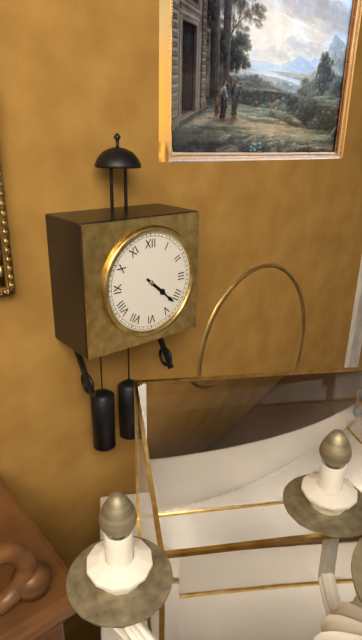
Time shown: 4:22
